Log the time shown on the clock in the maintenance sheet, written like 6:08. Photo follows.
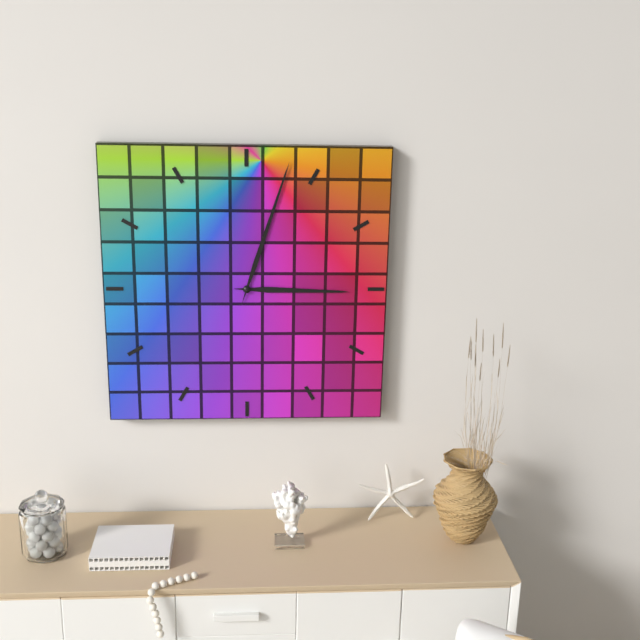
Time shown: 3:03
